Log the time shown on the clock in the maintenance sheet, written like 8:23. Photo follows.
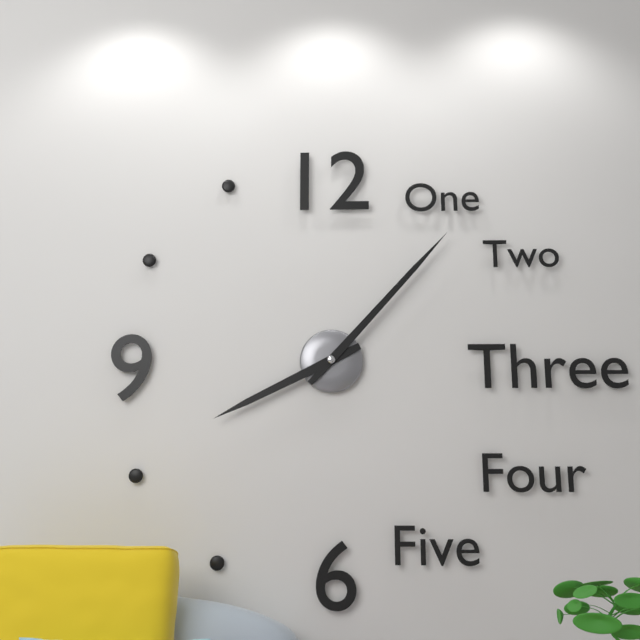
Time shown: 8:07
